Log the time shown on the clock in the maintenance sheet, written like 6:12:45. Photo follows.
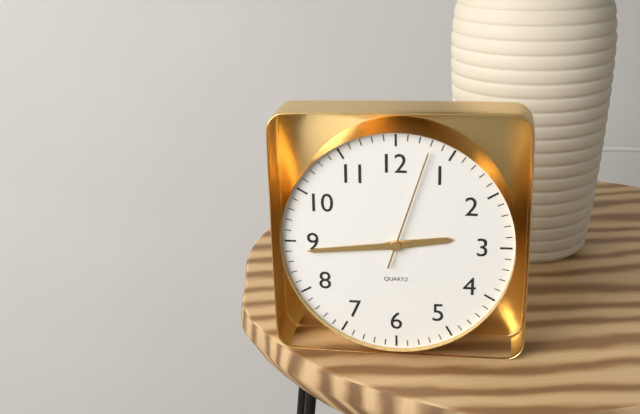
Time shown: 2:44:03
